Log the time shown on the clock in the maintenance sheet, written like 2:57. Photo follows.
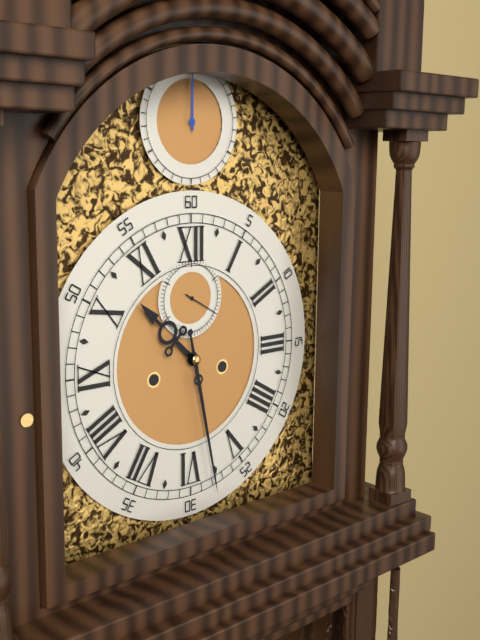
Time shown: 10:28
